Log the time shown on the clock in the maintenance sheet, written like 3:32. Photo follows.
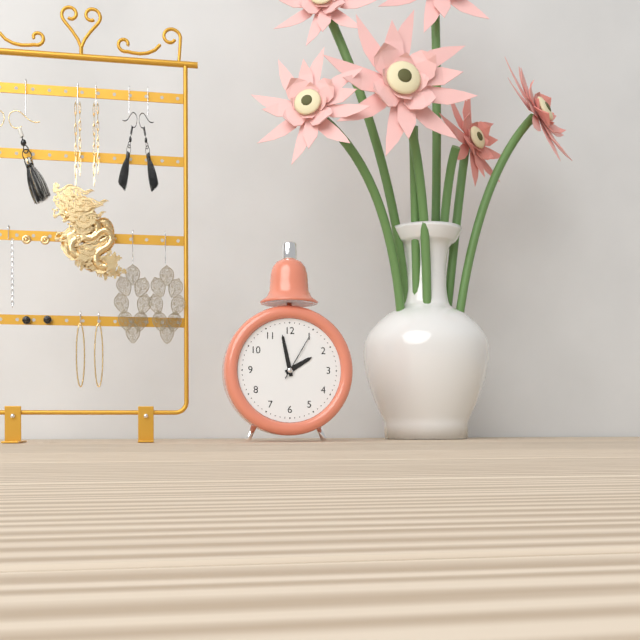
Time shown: 1:58
